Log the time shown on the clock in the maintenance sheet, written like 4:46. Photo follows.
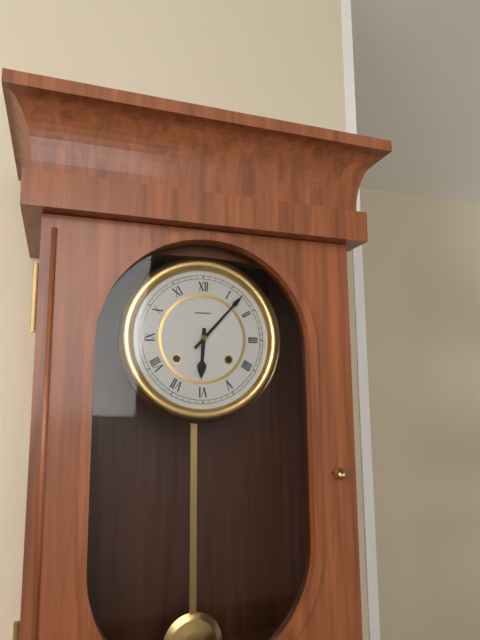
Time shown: 6:07
